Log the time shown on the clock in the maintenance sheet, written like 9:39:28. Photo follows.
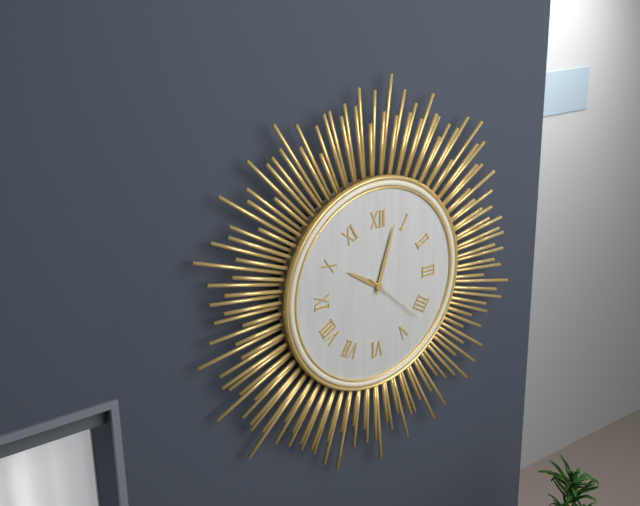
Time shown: 10:03:22
